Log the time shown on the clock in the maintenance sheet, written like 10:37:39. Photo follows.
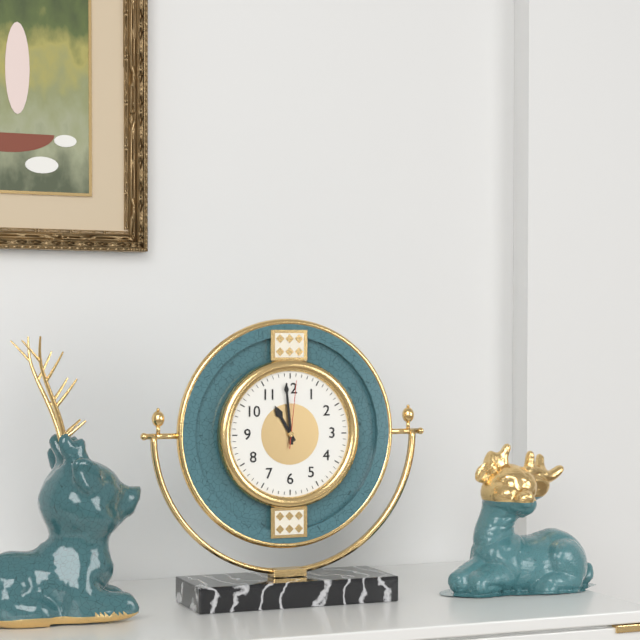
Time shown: 10:59:01
